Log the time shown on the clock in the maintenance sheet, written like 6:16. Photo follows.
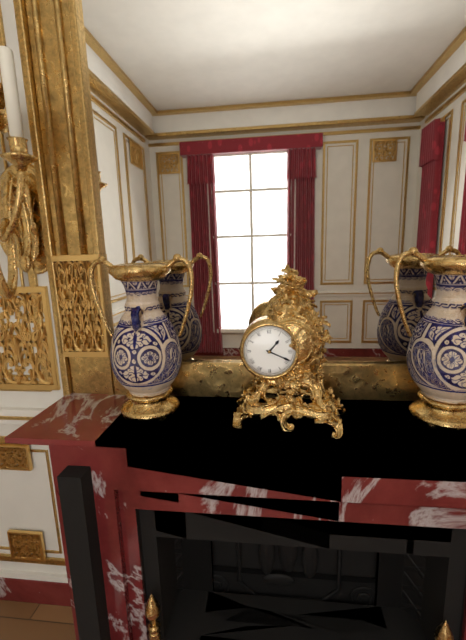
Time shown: 1:19
